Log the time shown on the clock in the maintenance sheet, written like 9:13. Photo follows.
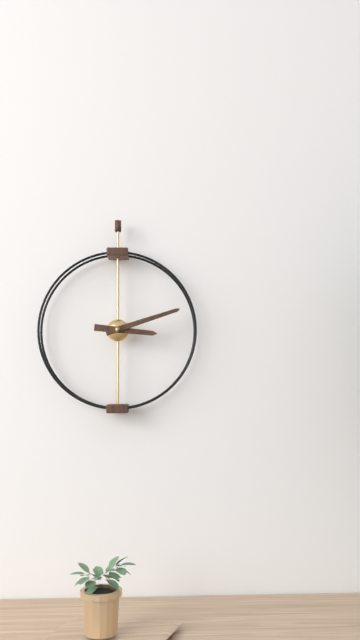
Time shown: 3:12
